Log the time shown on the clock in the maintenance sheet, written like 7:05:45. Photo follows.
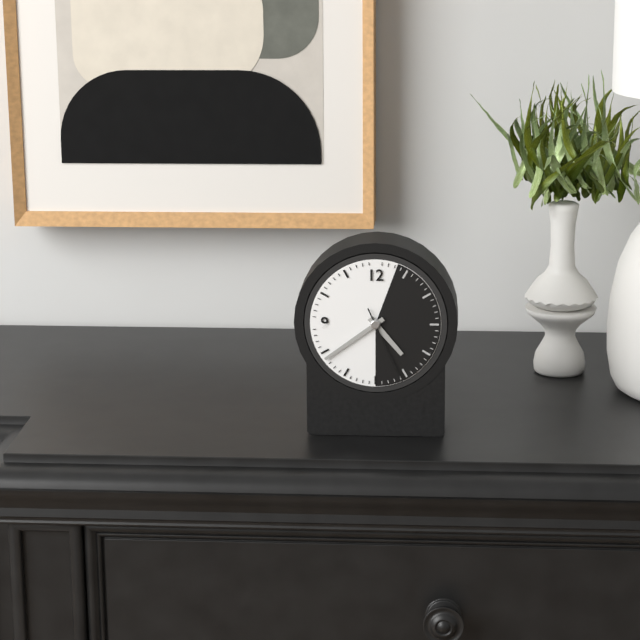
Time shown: 4:39:26
